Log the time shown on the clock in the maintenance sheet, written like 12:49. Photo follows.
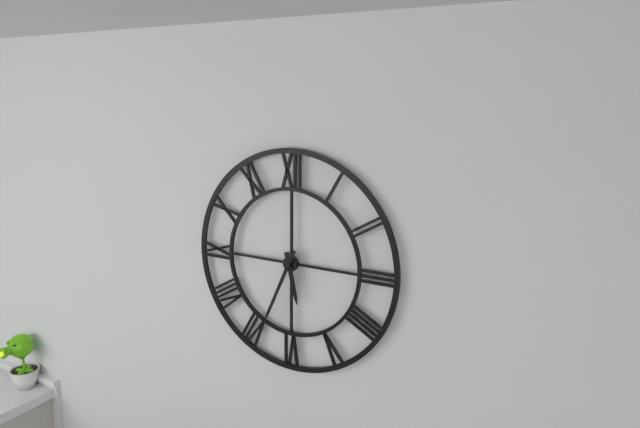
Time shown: 5:34
